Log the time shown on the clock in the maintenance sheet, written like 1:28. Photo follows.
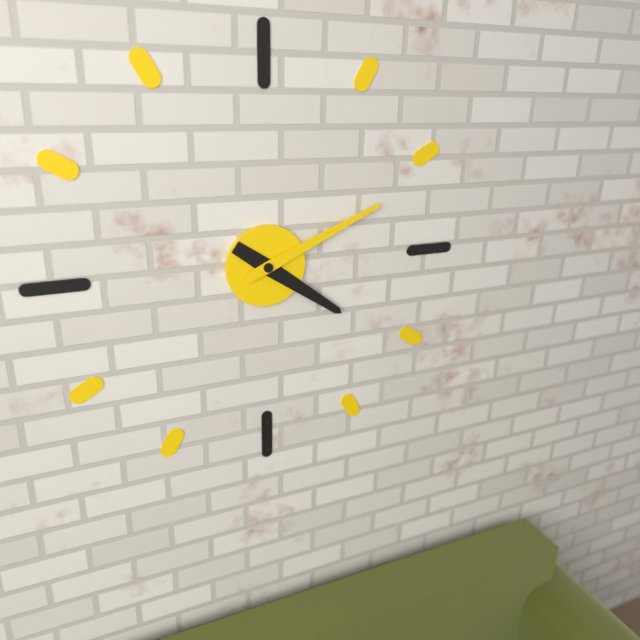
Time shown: 4:11
